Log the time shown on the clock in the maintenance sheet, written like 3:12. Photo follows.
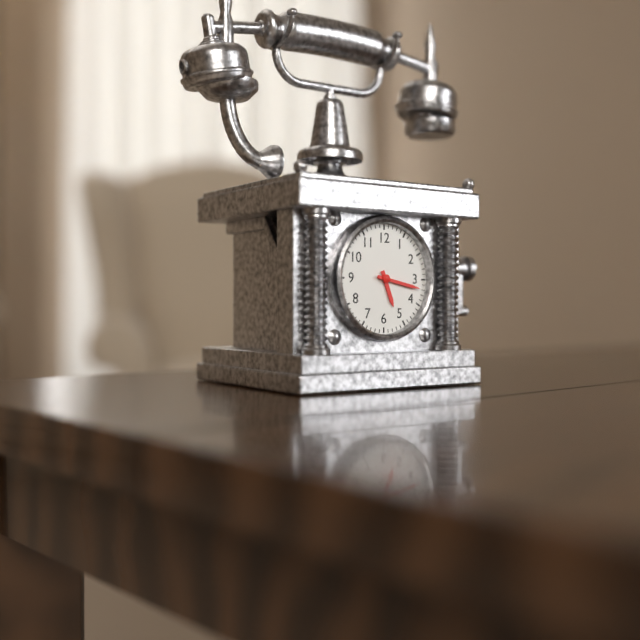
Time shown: 5:17
